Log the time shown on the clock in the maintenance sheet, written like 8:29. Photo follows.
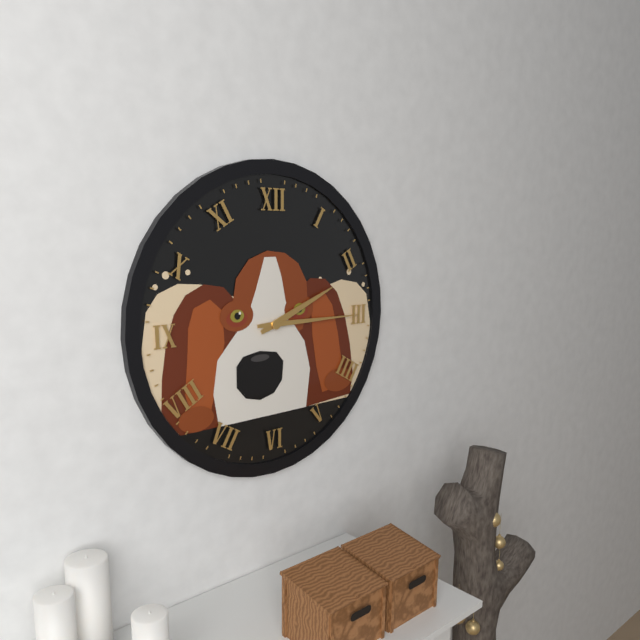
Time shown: 2:15
